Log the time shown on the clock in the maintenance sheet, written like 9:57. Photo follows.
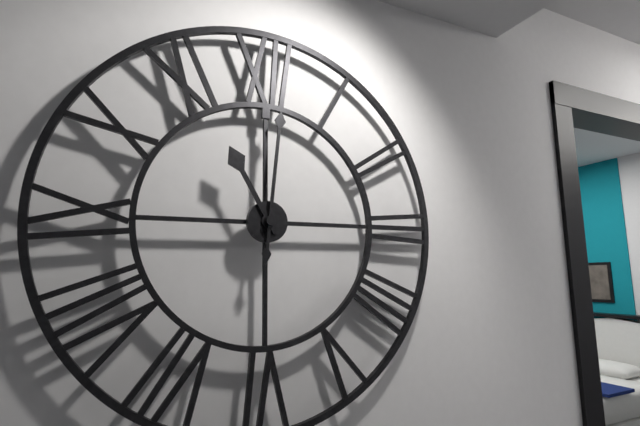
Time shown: 11:01
